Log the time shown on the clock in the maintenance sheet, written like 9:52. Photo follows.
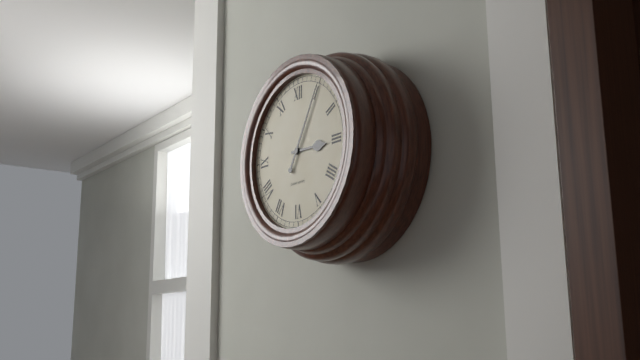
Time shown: 3:05
